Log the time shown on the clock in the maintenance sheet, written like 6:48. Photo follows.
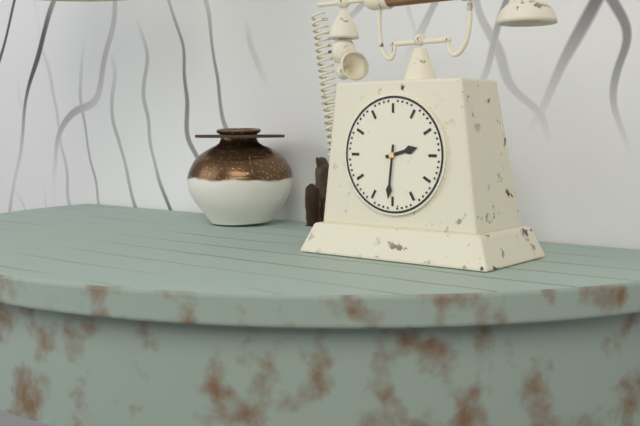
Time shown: 2:31
